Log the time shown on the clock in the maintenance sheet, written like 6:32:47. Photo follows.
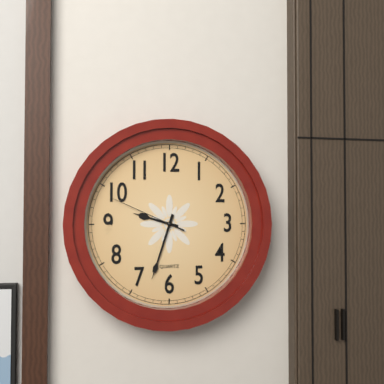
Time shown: 9:33:49
